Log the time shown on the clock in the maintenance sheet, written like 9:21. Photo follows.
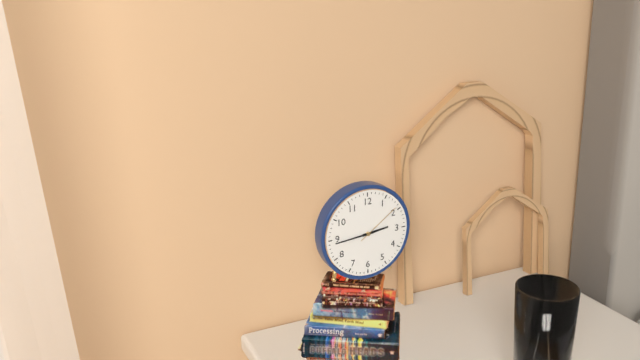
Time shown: 2:44
